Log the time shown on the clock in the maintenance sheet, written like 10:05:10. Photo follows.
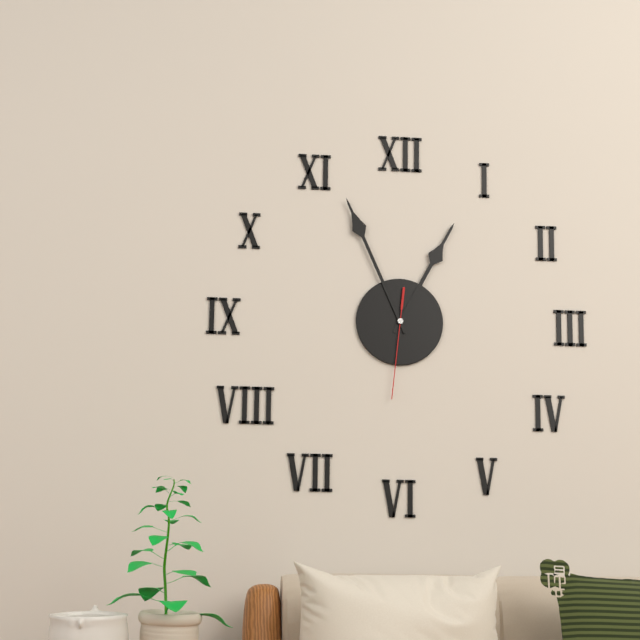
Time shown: 12:56:31
